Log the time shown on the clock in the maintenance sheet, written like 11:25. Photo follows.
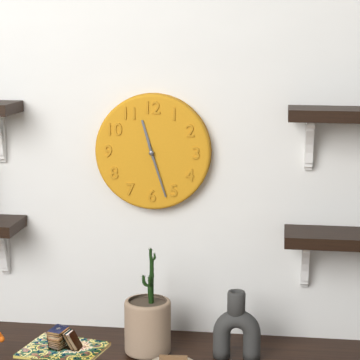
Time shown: 11:27
